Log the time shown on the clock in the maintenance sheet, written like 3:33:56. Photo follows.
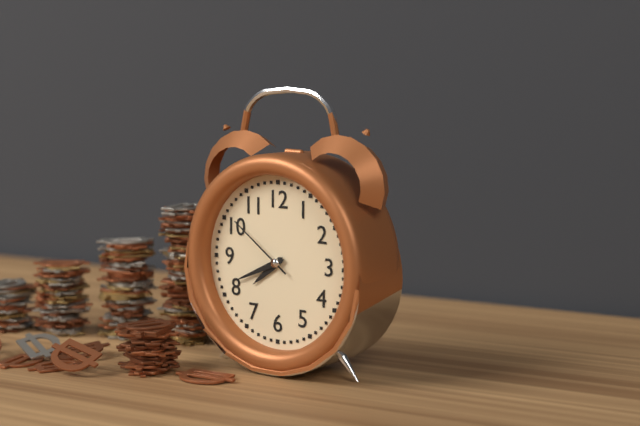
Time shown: 7:41:51
